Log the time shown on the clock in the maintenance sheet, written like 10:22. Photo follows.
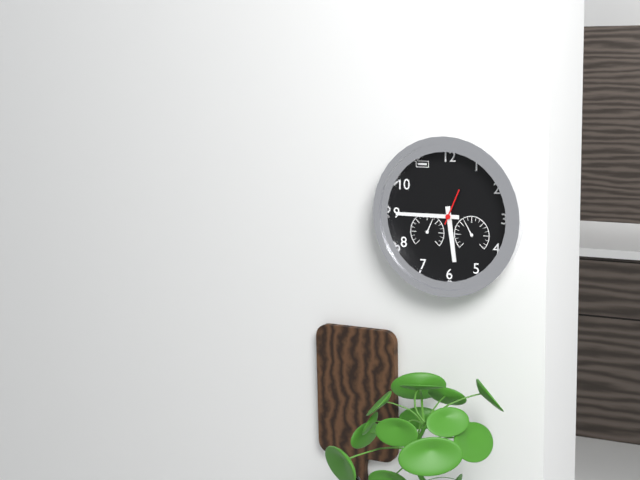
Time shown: 5:45
